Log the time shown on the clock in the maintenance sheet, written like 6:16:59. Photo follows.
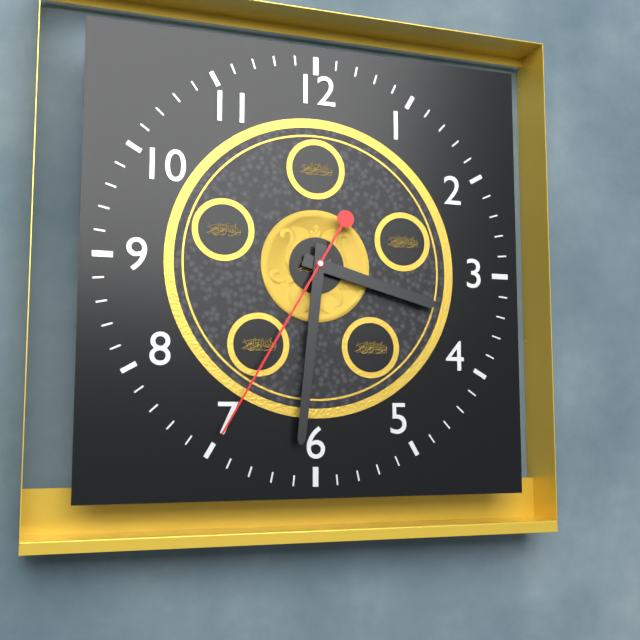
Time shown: 3:31:35
